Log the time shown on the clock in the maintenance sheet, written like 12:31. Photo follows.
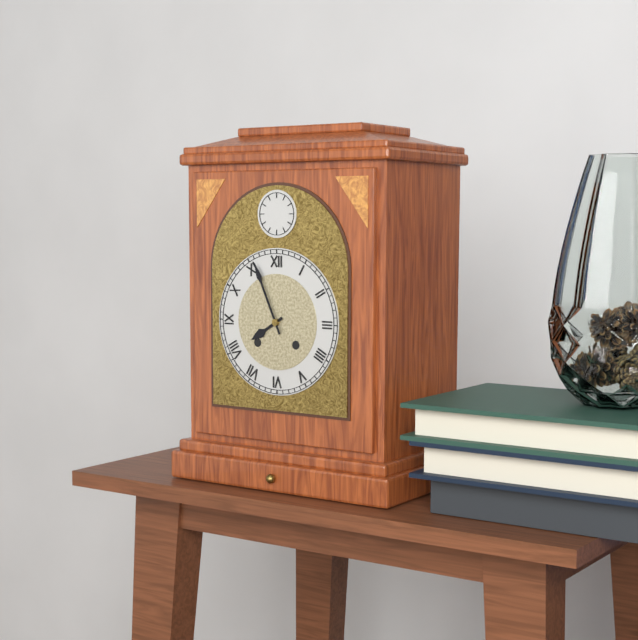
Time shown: 7:56
